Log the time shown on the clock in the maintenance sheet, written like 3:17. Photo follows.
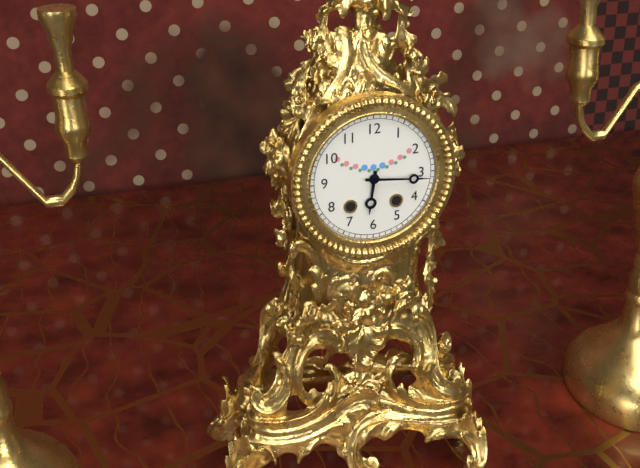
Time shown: 6:16
